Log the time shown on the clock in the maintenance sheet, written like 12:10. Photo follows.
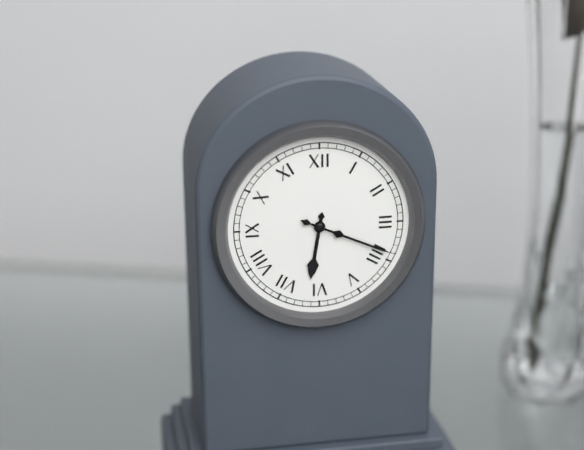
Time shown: 6:19
